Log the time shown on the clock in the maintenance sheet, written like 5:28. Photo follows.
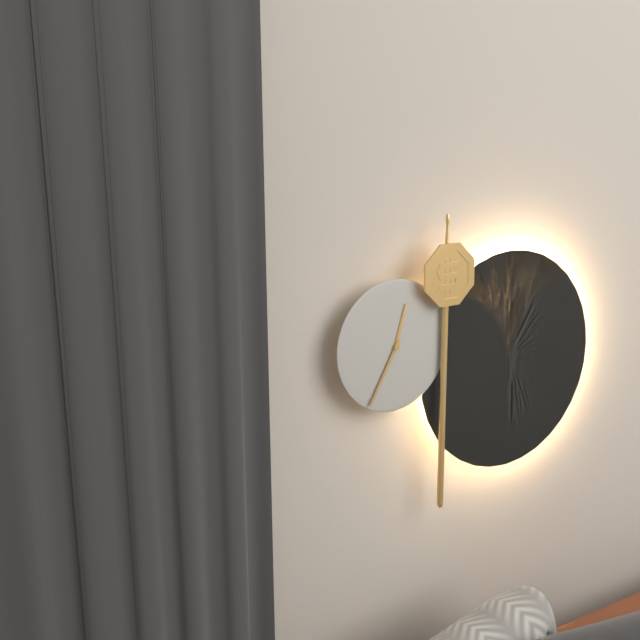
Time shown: 12:35
